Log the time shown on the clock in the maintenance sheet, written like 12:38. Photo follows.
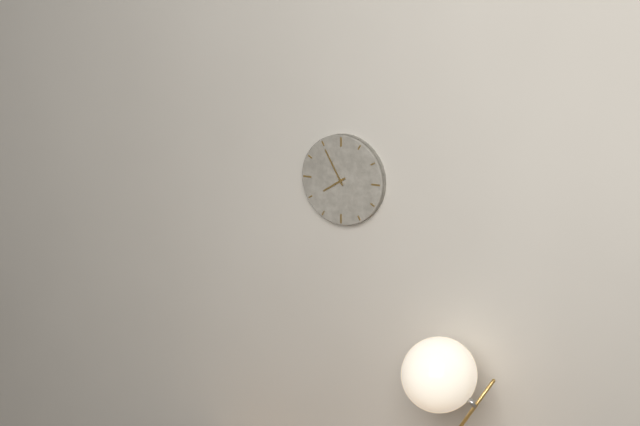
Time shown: 7:55
